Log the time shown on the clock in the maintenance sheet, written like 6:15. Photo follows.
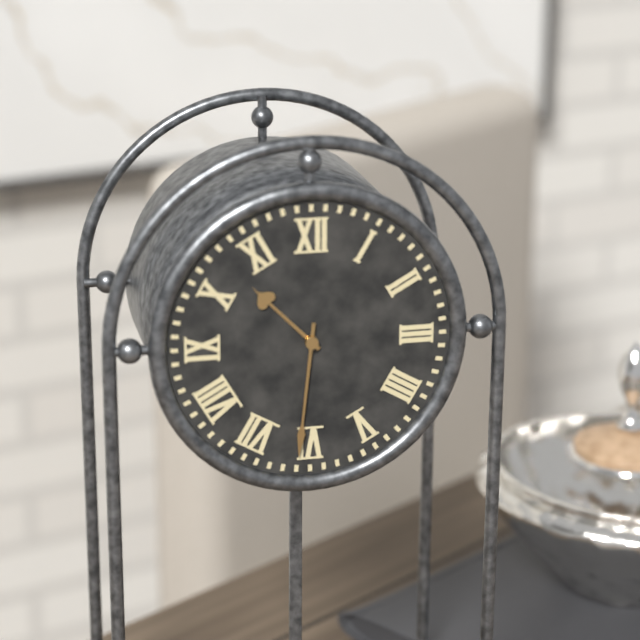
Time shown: 10:31
